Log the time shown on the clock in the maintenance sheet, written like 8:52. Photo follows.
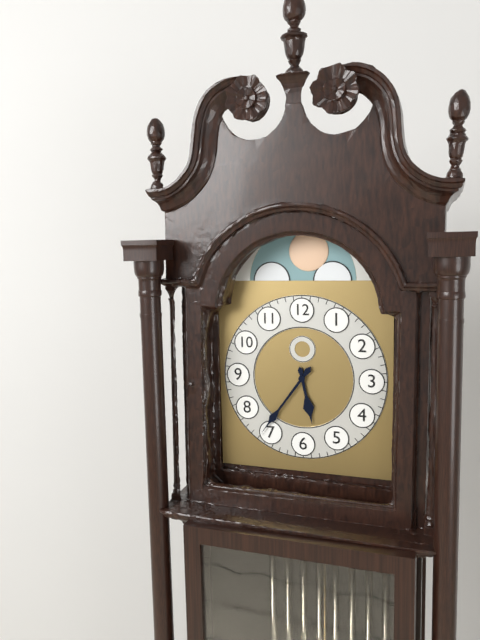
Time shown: 5:36
